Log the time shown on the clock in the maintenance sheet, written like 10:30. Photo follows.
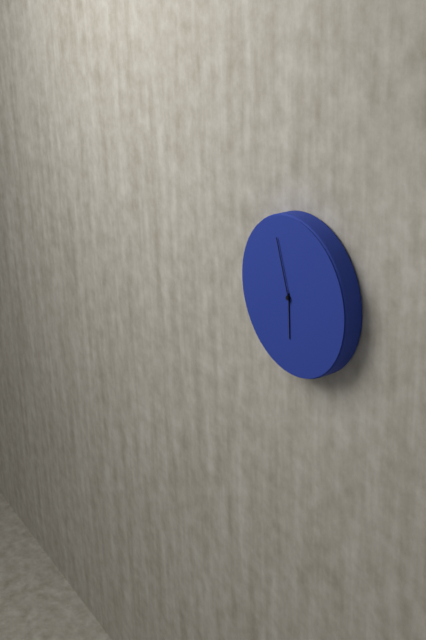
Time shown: 5:57
